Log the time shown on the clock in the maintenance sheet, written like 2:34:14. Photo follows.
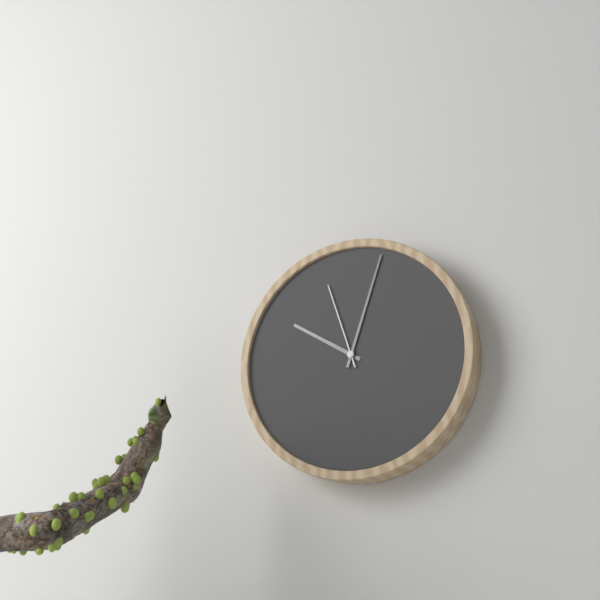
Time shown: 10:03:57
